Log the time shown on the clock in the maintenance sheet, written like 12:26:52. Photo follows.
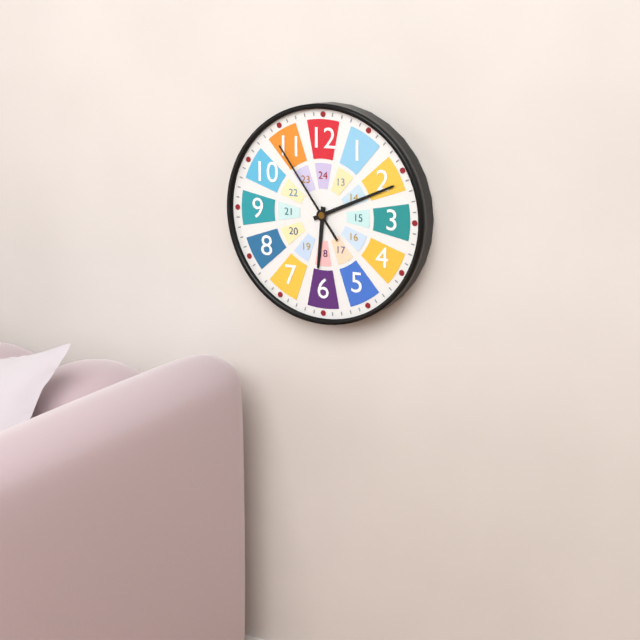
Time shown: 6:11:54
